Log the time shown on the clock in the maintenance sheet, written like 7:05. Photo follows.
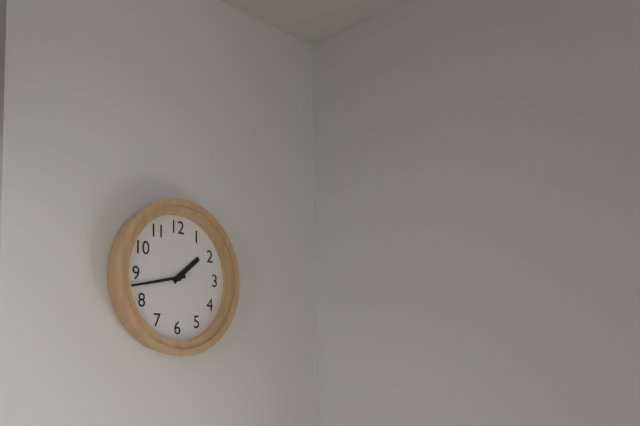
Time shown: 1:43
